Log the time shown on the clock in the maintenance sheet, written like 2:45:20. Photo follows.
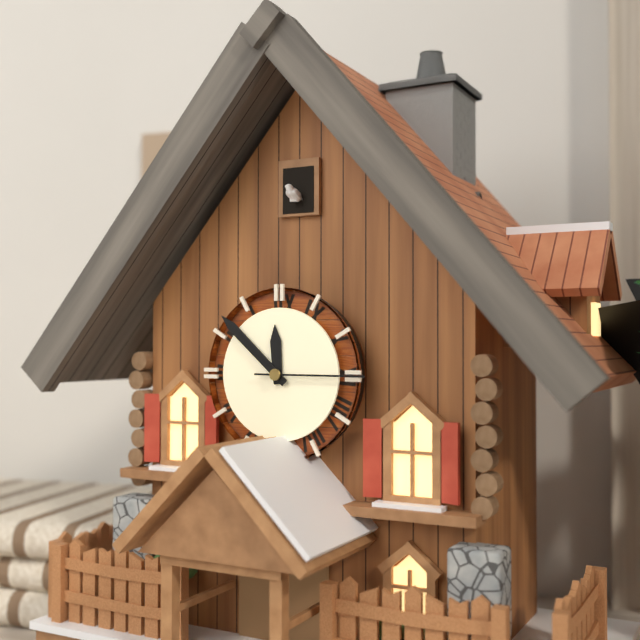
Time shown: 11:52:15
